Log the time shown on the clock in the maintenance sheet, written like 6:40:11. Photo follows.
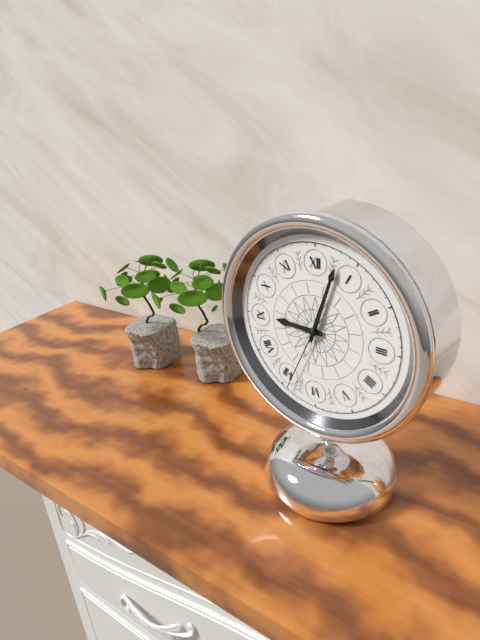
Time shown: 9:03:34
